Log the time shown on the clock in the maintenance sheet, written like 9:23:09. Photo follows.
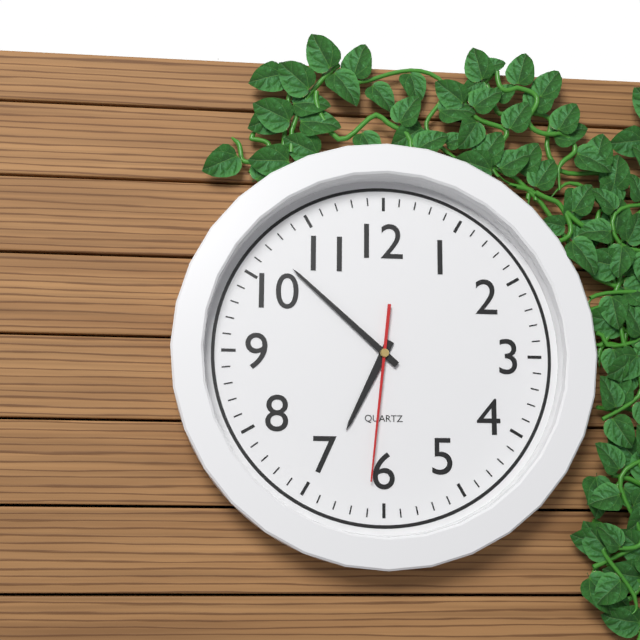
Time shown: 6:52:31
